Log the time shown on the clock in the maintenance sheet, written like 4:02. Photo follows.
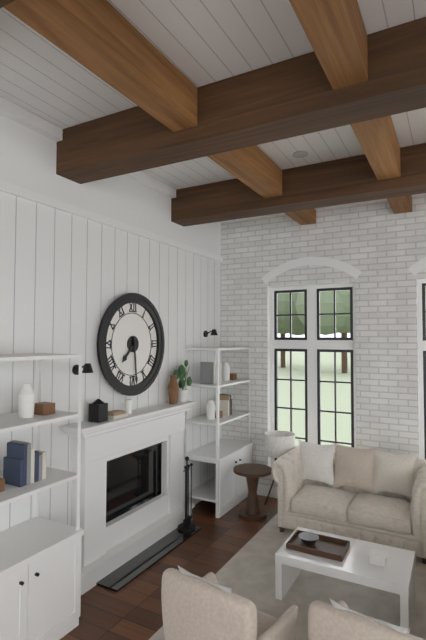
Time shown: 7:29
